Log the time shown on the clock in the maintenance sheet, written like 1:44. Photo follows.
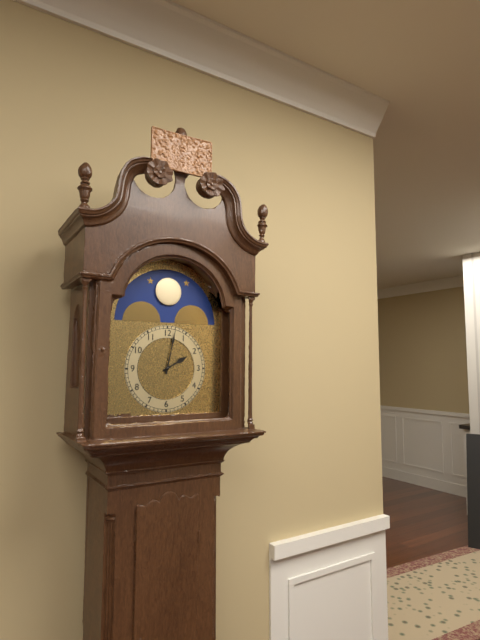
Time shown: 2:02
